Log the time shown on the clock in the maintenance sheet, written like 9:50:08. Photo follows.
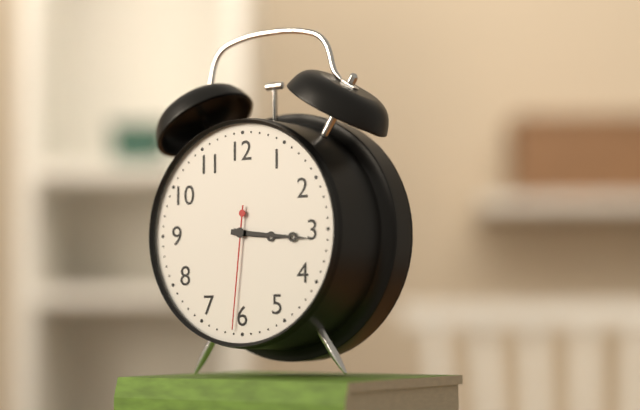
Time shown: 3:16:31
